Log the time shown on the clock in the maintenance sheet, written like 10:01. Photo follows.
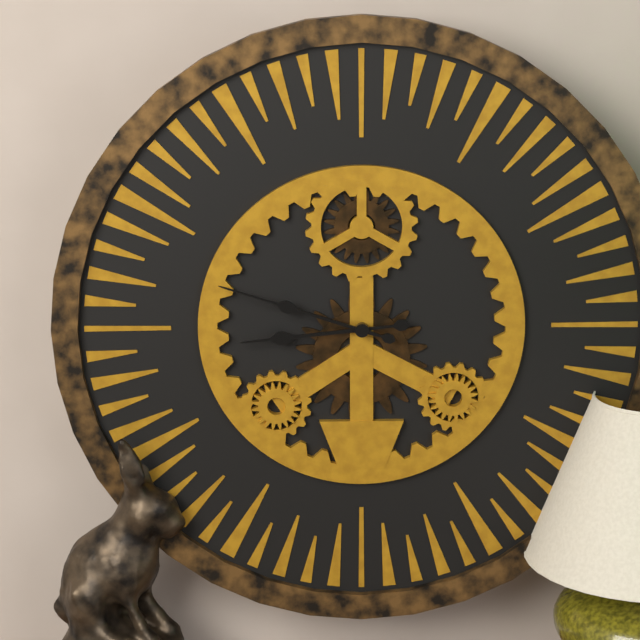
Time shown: 8:48
